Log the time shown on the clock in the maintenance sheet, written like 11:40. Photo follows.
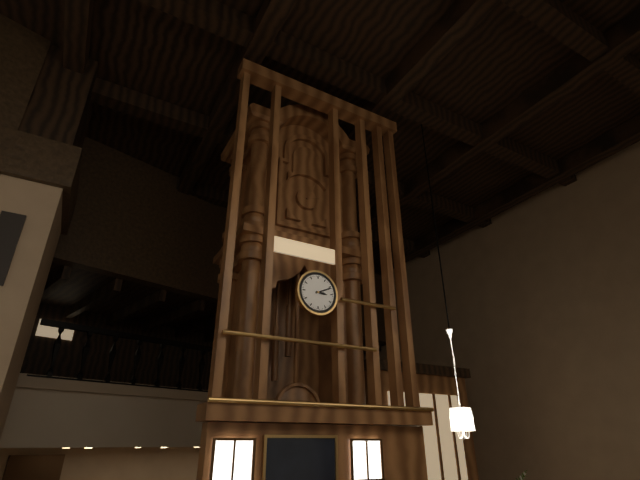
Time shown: 3:11
